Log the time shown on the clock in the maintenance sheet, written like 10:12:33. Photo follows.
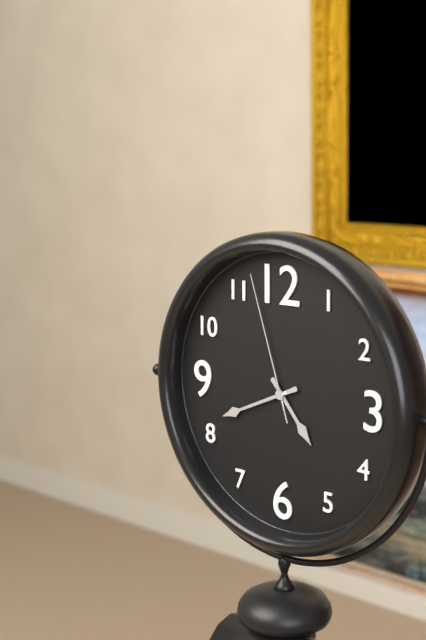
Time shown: 4:41:57
